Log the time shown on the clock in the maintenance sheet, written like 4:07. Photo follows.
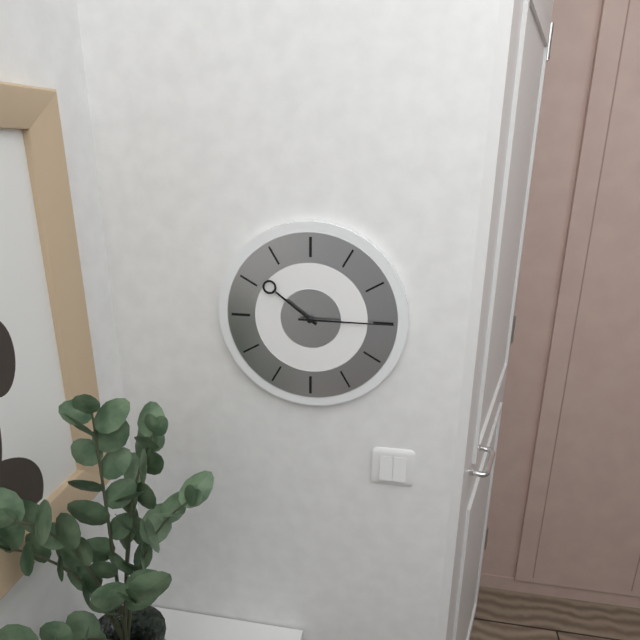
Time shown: 10:15
